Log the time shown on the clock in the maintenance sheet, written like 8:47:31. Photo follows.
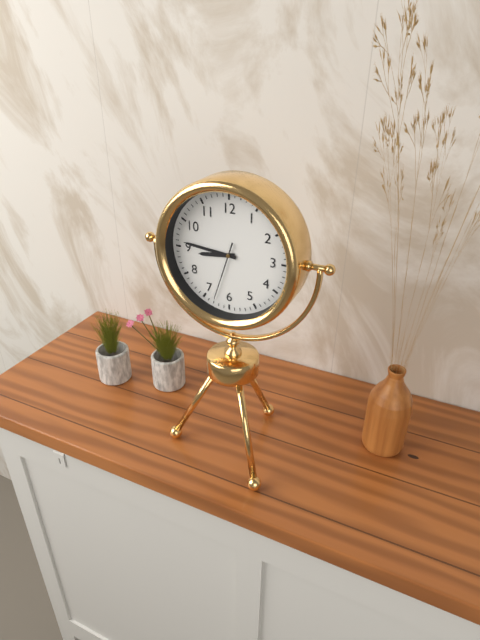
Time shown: 8:46:33
